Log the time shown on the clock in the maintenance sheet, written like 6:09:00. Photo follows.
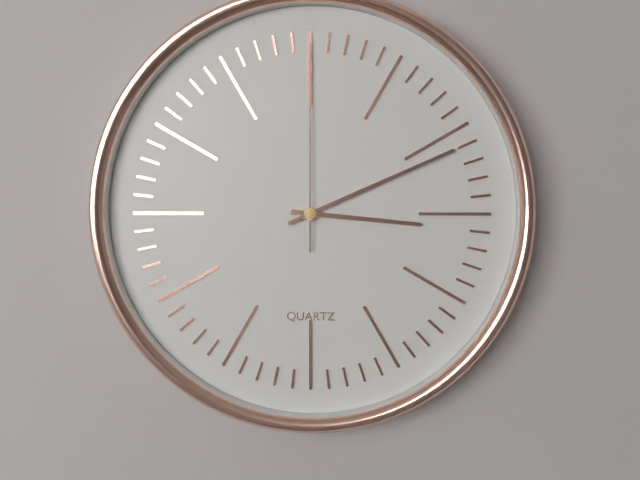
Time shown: 3:11:00
